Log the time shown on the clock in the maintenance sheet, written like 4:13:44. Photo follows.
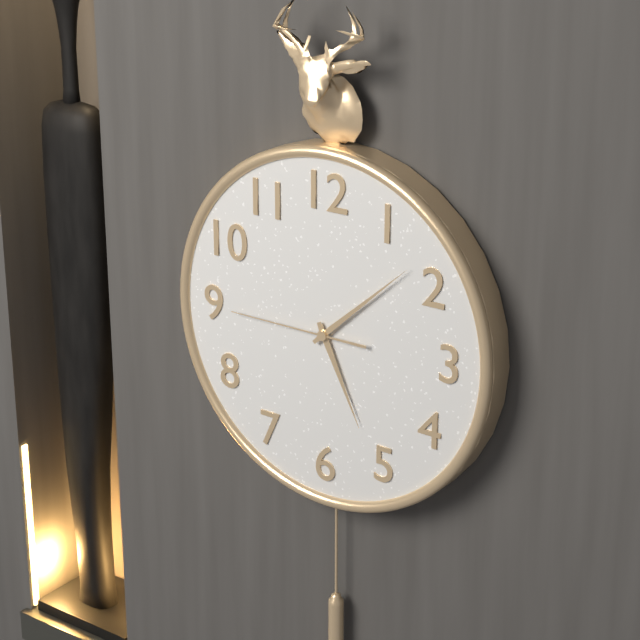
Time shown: 5:08:45
